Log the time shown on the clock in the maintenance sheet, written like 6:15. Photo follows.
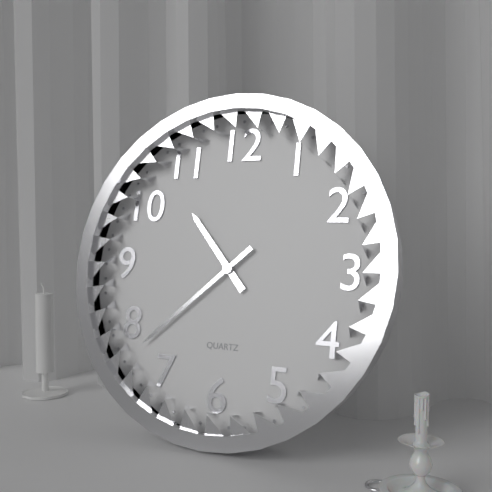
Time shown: 10:38
